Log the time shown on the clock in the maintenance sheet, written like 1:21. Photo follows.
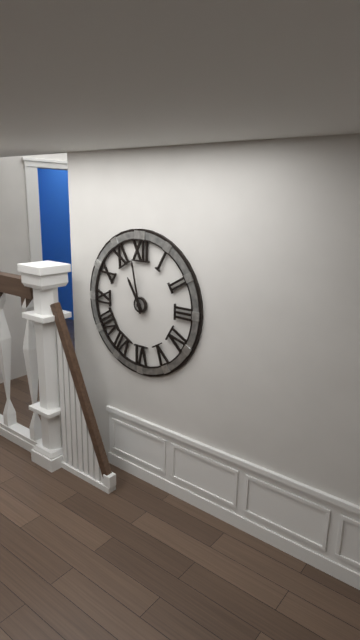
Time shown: 10:58
